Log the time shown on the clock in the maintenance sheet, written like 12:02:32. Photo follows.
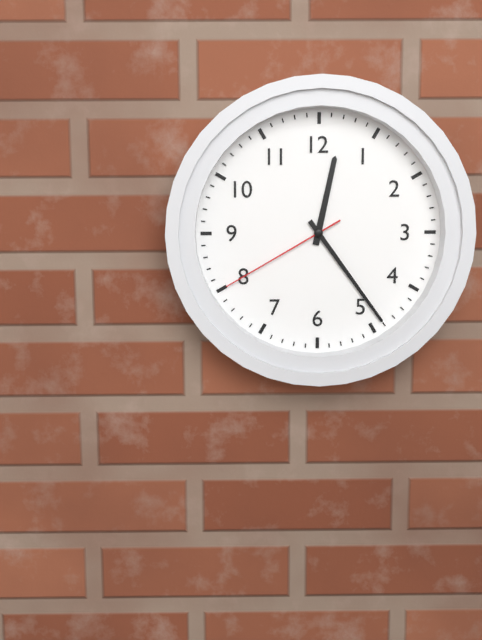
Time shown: 12:24:40
